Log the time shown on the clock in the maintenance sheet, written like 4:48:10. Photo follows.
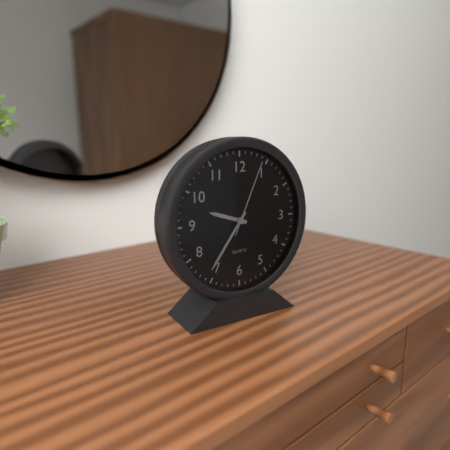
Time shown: 9:36:04
